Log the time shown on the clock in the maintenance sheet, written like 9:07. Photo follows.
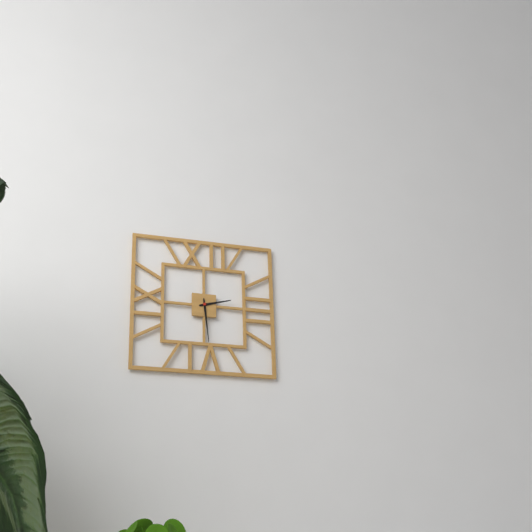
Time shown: 2:29
